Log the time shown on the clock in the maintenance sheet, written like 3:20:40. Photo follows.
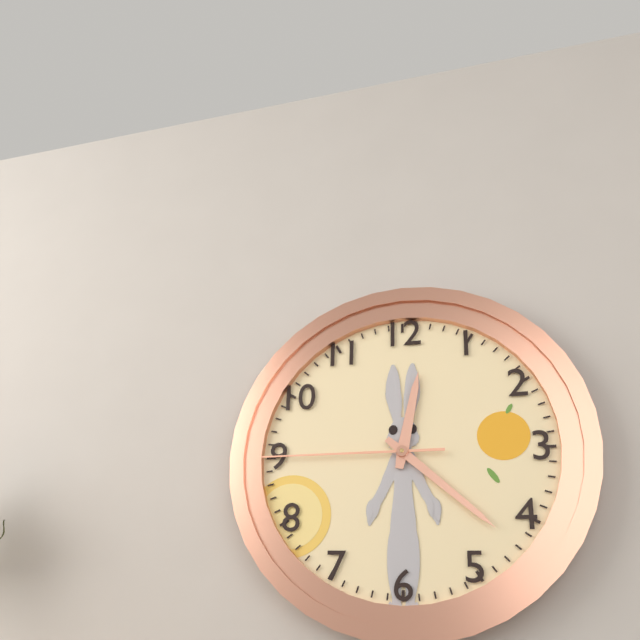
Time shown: 12:22:45
